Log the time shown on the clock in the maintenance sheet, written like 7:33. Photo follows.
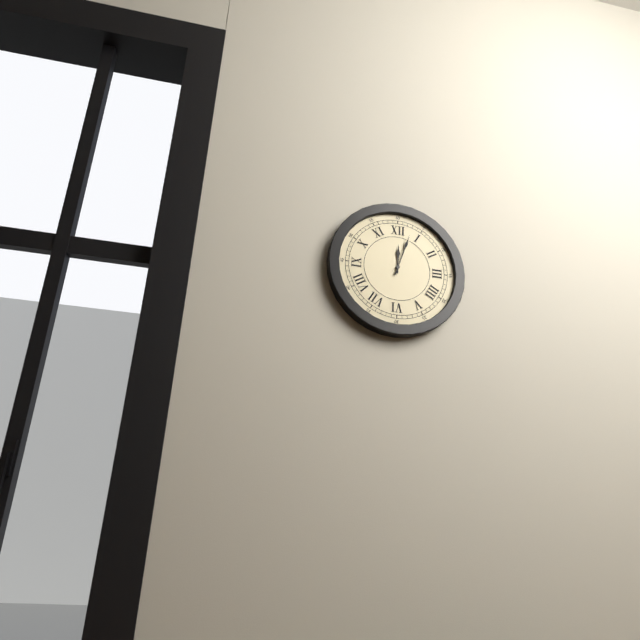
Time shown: 12:03
